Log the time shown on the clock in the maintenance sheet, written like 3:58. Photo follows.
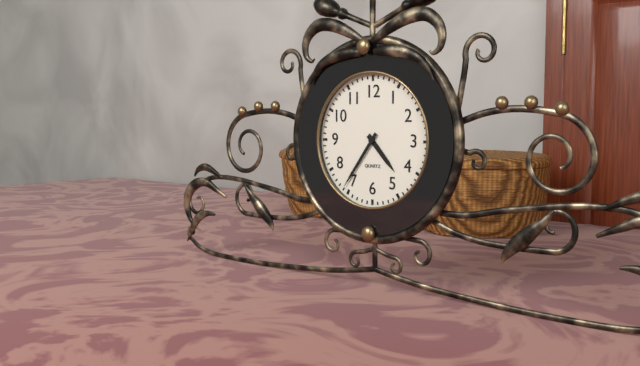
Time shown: 4:36
